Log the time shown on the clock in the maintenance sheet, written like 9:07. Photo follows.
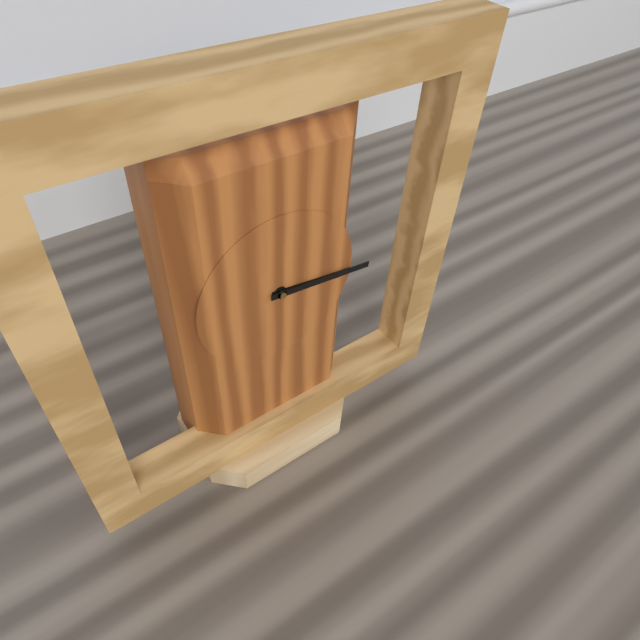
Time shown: 3:16
